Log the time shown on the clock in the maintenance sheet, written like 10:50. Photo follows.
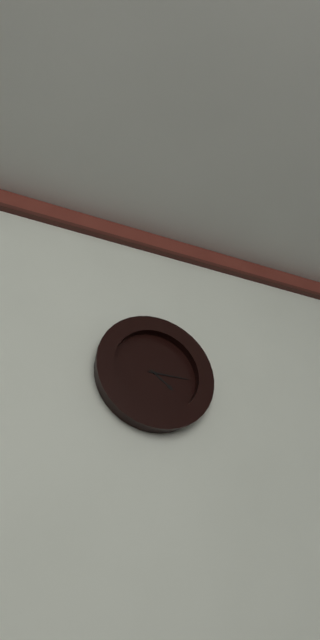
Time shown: 4:15
